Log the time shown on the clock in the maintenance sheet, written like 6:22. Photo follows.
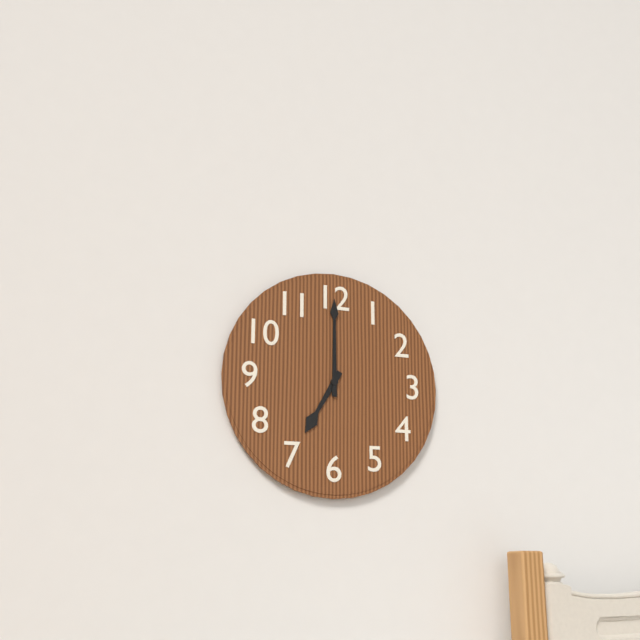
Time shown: 7:00
